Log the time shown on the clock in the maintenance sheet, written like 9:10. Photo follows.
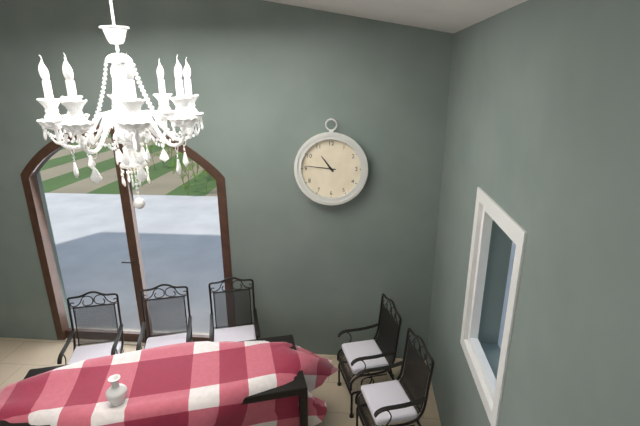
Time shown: 10:46
